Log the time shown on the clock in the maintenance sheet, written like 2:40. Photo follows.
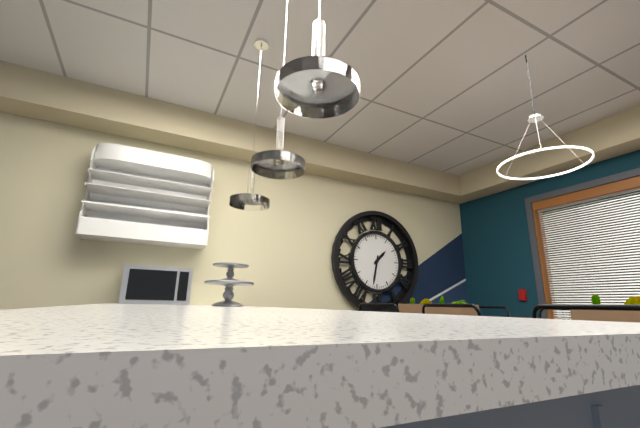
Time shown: 1:32
